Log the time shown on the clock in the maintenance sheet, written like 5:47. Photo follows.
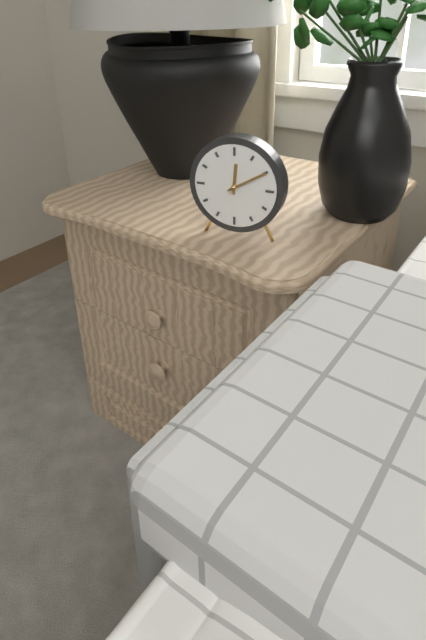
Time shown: 12:10
